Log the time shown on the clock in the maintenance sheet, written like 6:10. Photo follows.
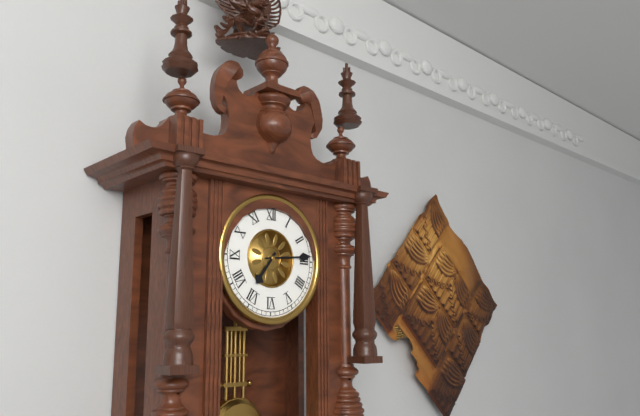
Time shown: 7:14
